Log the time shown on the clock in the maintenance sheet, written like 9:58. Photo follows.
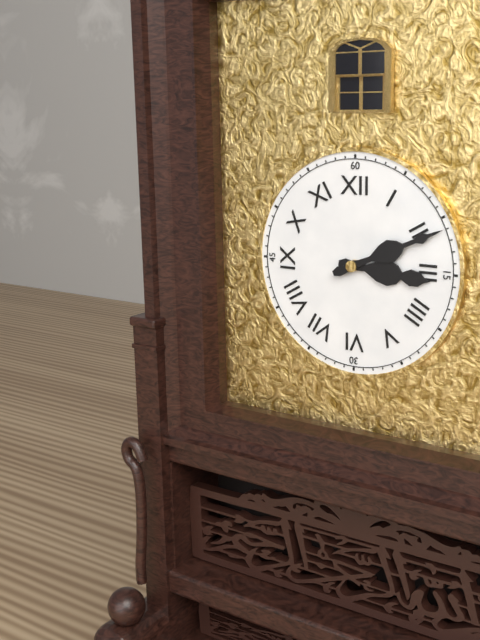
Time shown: 3:11
